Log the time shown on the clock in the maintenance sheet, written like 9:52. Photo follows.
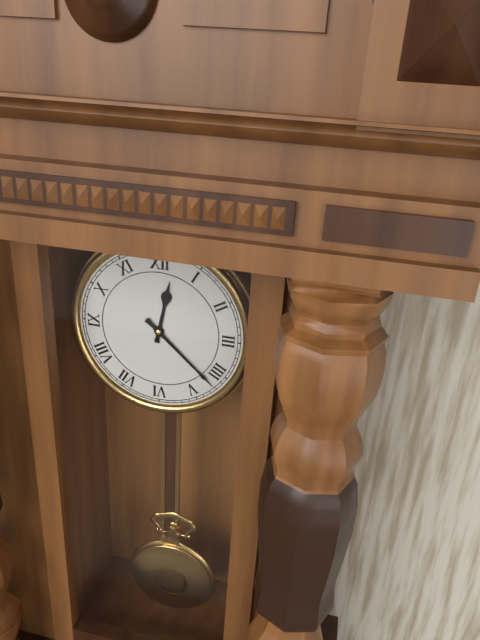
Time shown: 12:22
